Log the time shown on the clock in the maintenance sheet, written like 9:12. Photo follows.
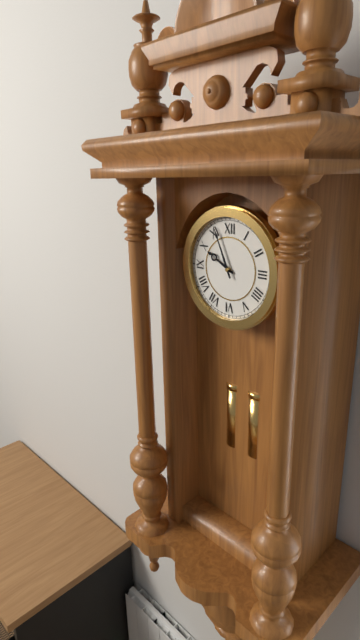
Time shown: 9:56
